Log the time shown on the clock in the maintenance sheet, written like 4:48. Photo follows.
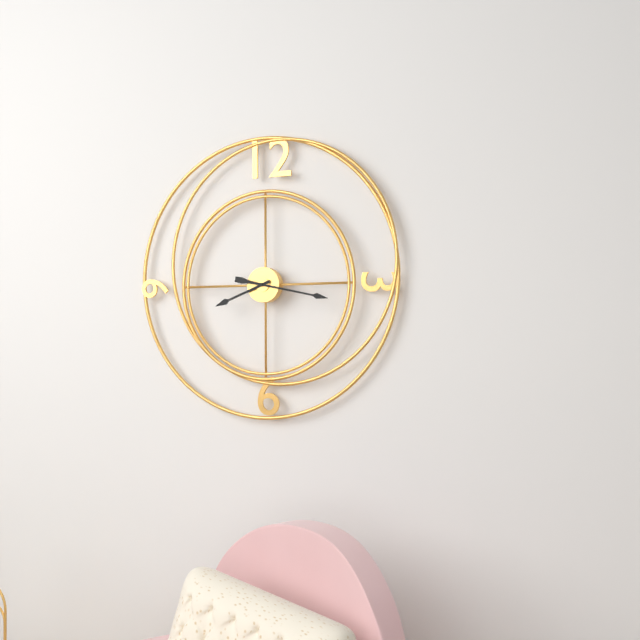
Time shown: 8:17
